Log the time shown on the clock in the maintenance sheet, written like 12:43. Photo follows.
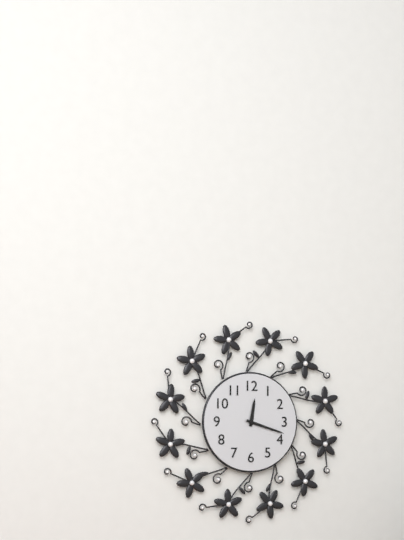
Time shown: 12:18
